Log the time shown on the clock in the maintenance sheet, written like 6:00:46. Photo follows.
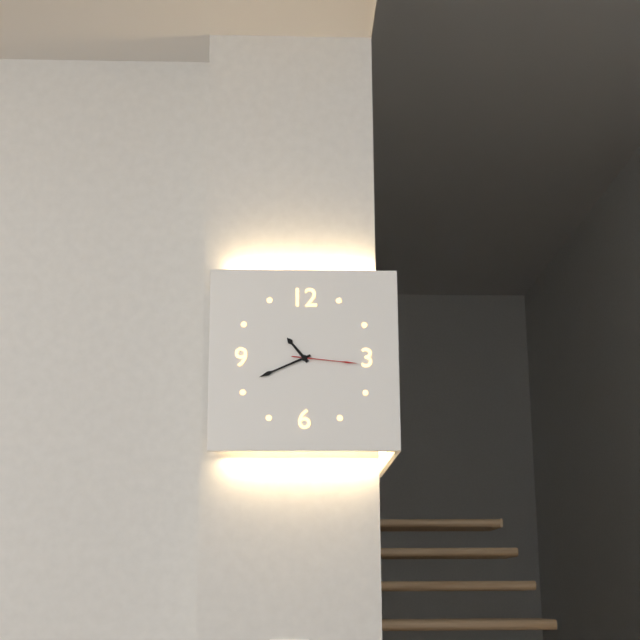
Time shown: 10:41:16
